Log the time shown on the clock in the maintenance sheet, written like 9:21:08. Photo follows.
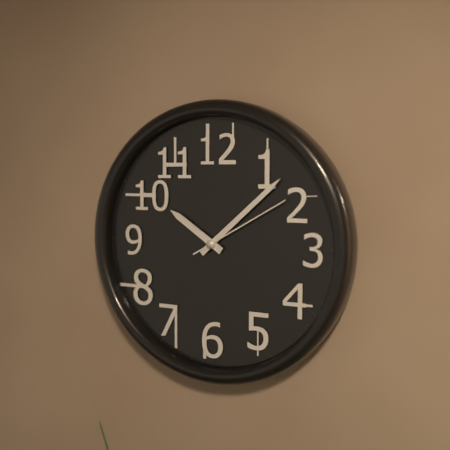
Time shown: 10:08:10
